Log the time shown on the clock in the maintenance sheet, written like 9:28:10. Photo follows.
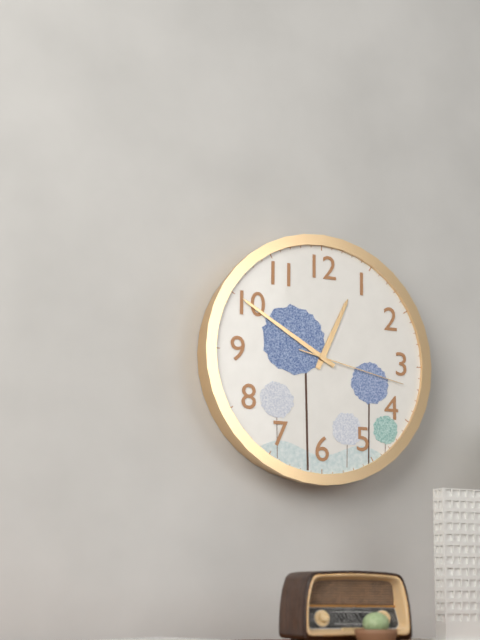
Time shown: 12:50:17
